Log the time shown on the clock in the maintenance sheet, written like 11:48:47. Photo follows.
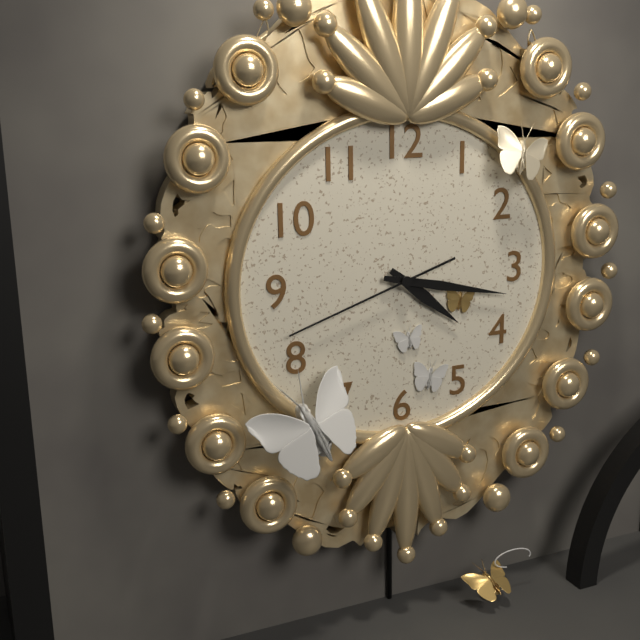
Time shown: 4:17:42
